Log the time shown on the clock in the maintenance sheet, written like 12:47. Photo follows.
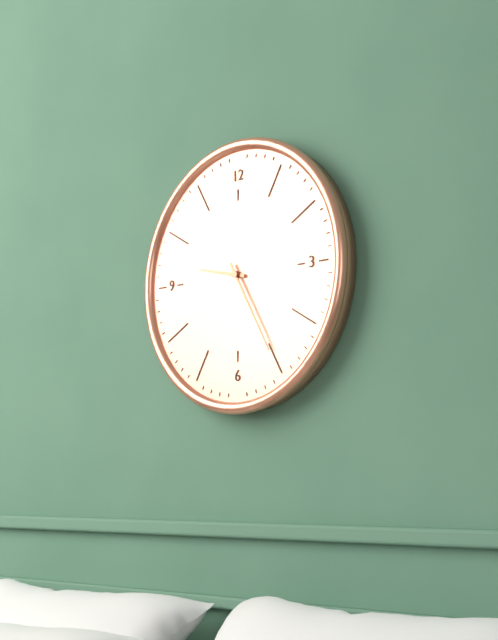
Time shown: 9:25
